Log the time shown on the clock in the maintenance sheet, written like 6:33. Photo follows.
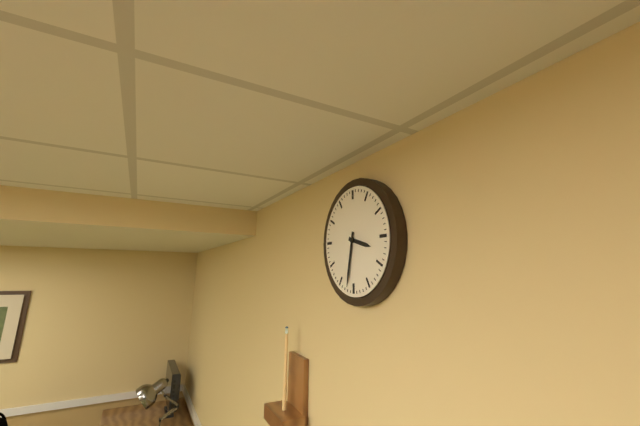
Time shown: 3:32
